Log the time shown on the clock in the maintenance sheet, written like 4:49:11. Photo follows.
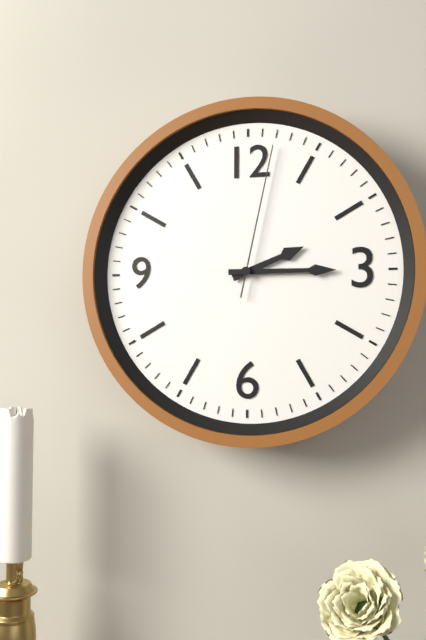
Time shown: 2:15:02
